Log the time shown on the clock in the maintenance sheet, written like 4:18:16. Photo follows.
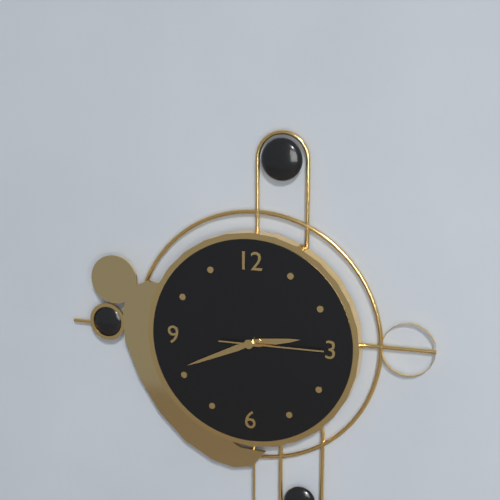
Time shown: 2:41:15
